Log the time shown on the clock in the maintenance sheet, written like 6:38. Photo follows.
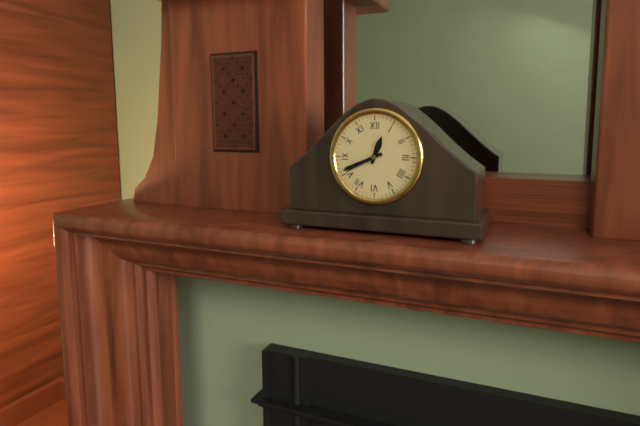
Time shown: 12:41
